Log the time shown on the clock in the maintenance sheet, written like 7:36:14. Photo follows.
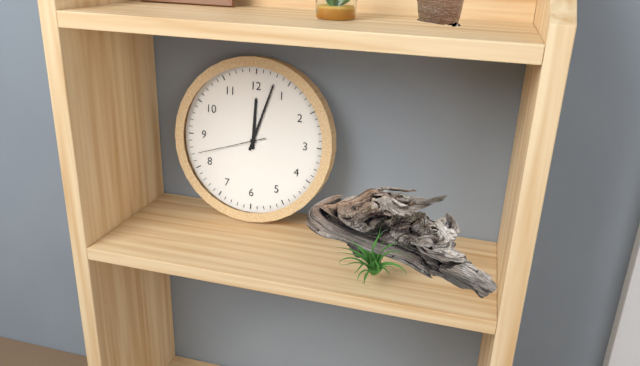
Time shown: 12:03:42
